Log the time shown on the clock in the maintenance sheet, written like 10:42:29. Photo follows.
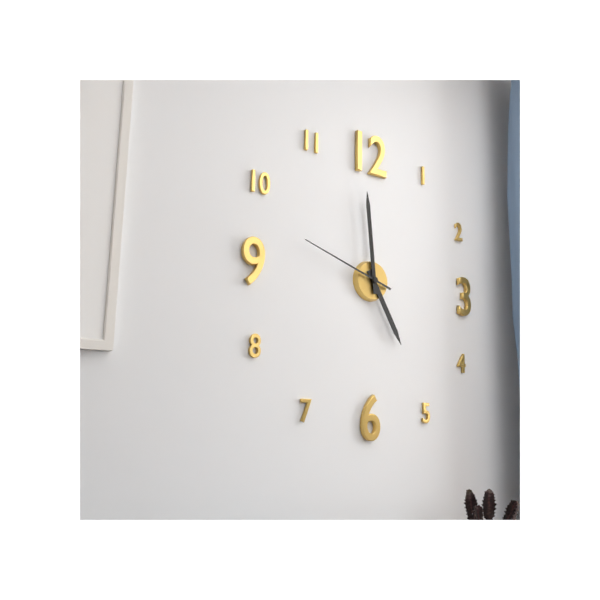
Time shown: 4:59:48
